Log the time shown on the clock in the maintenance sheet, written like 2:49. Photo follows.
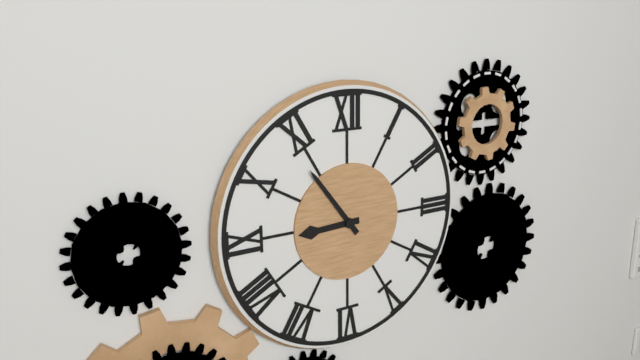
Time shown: 8:54
